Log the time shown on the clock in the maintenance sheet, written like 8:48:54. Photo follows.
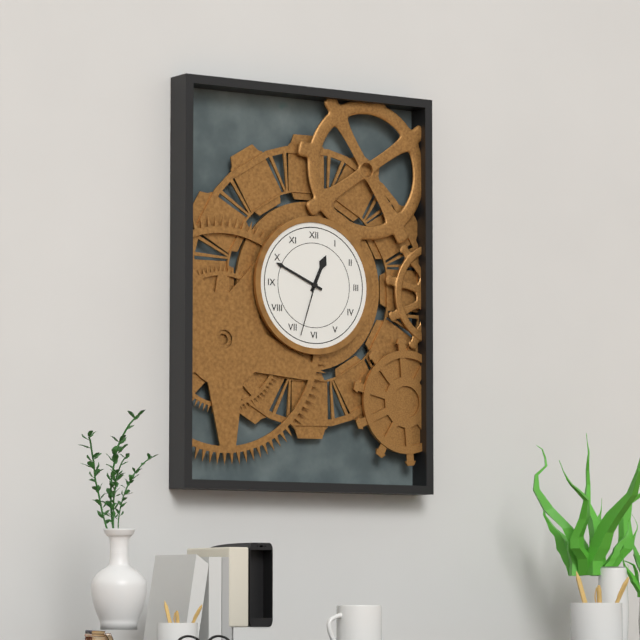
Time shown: 12:49:33
